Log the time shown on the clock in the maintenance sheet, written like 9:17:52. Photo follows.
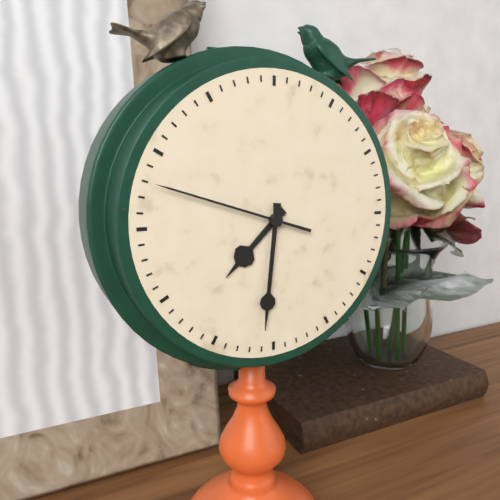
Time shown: 7:31:48
